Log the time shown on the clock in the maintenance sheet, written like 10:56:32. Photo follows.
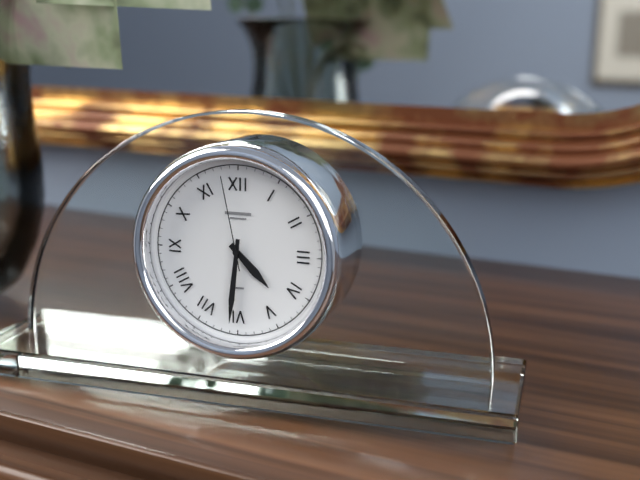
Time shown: 4:31:58
